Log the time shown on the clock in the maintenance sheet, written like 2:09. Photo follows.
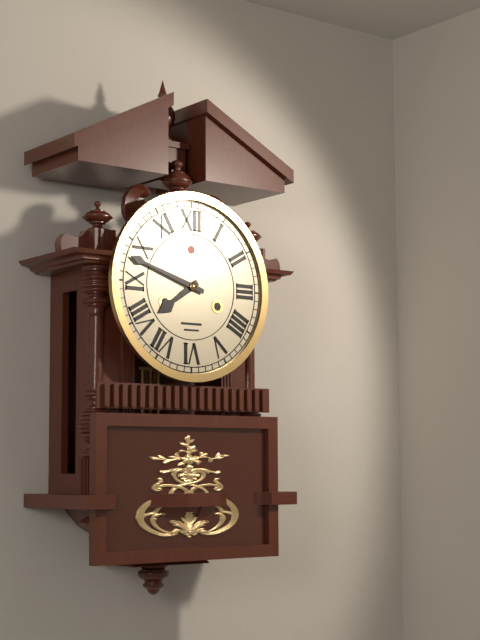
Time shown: 7:48
